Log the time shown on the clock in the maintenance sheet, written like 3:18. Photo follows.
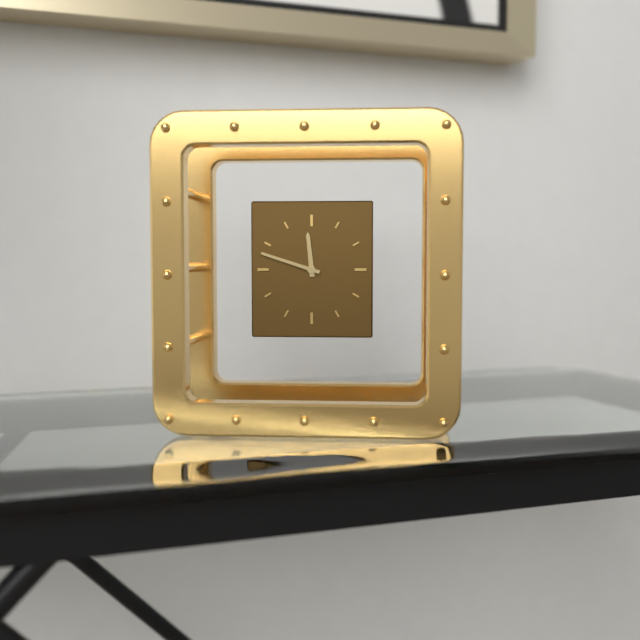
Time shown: 11:48
